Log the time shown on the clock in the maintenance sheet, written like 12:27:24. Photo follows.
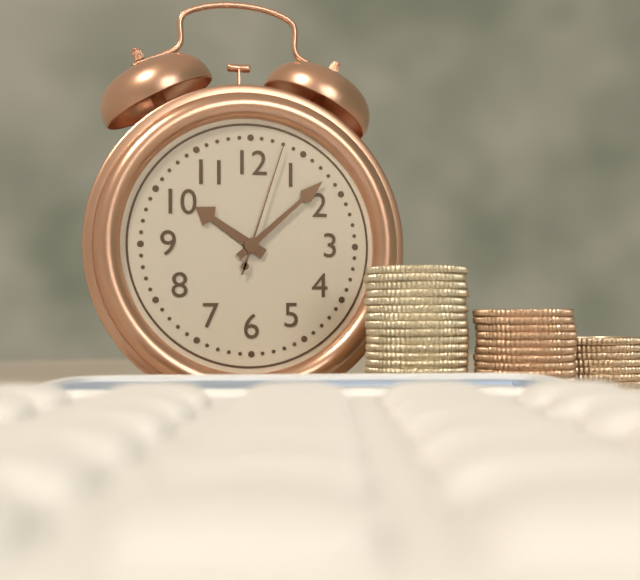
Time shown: 10:08:03
